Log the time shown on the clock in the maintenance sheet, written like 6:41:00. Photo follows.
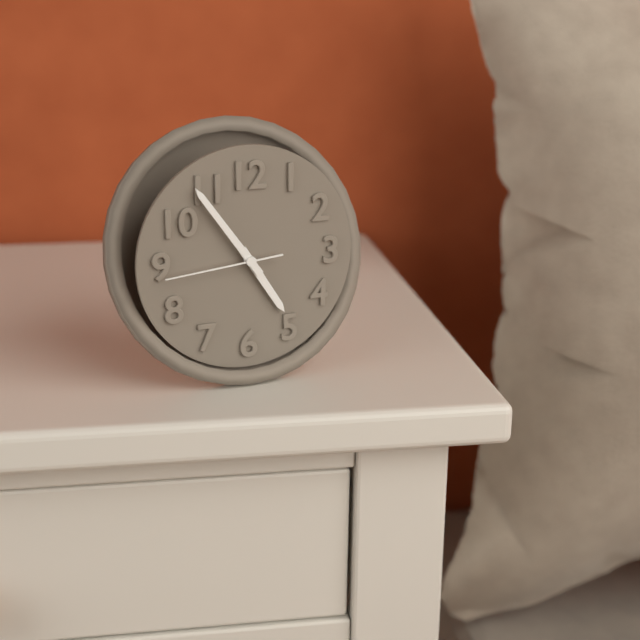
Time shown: 4:54:44
